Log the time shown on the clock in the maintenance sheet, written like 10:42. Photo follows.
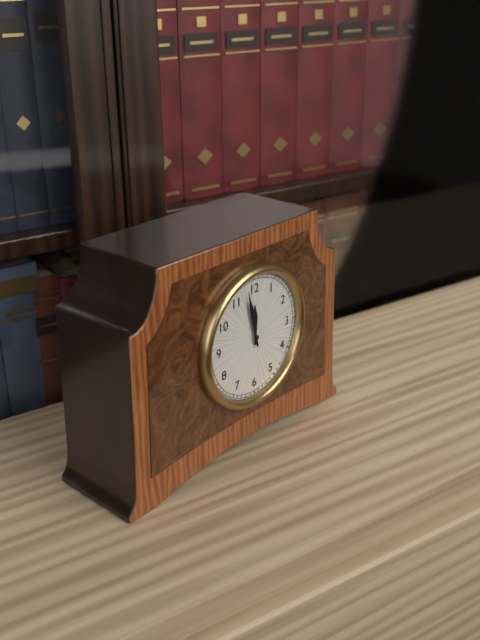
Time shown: 11:58
